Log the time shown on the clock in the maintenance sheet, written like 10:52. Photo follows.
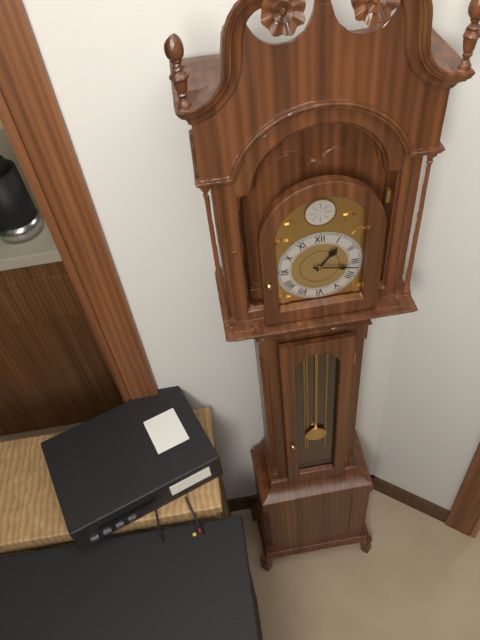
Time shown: 1:17
